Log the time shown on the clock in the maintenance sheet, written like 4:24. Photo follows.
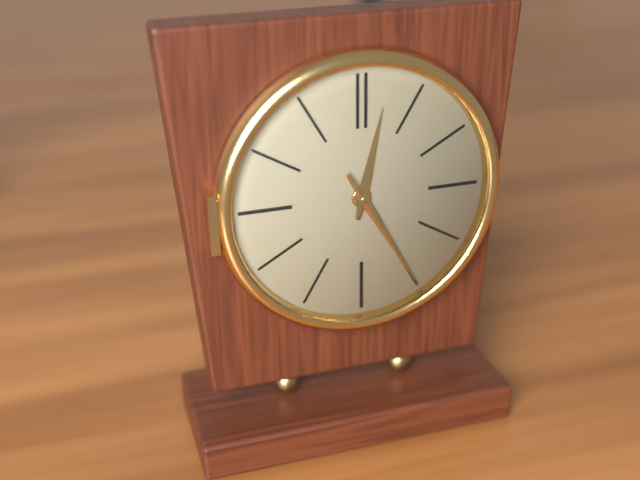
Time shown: 12:25
